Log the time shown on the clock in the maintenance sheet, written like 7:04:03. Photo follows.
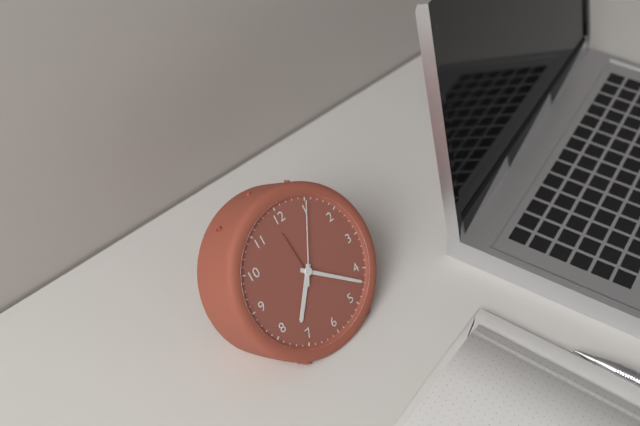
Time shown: 7:22:05
